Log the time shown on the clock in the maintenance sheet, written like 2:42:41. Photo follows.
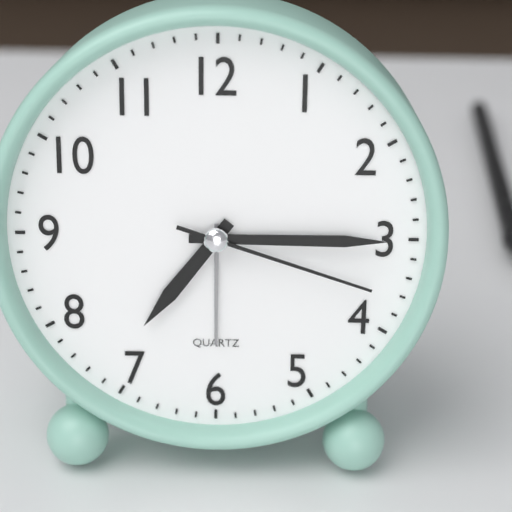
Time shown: 7:15:18
